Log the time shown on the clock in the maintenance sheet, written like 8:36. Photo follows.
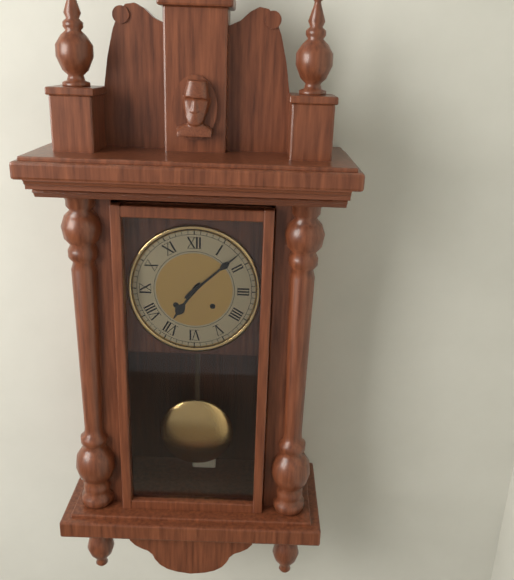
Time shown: 7:08
